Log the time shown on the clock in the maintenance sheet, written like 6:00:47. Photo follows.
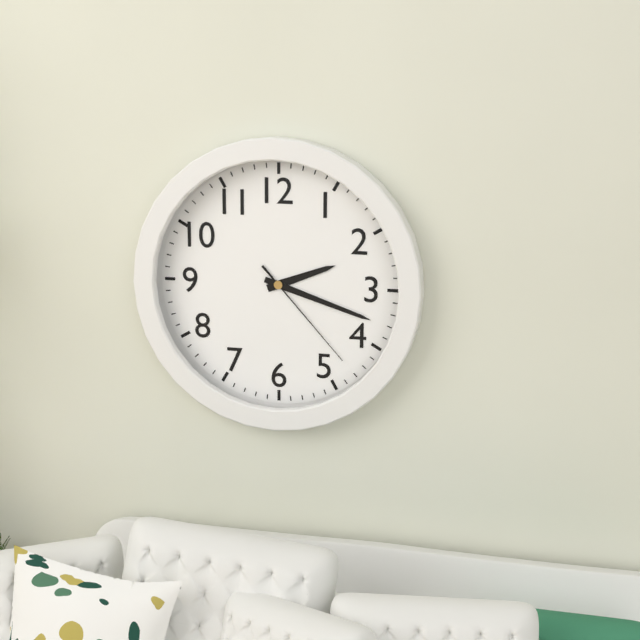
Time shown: 2:18:23
